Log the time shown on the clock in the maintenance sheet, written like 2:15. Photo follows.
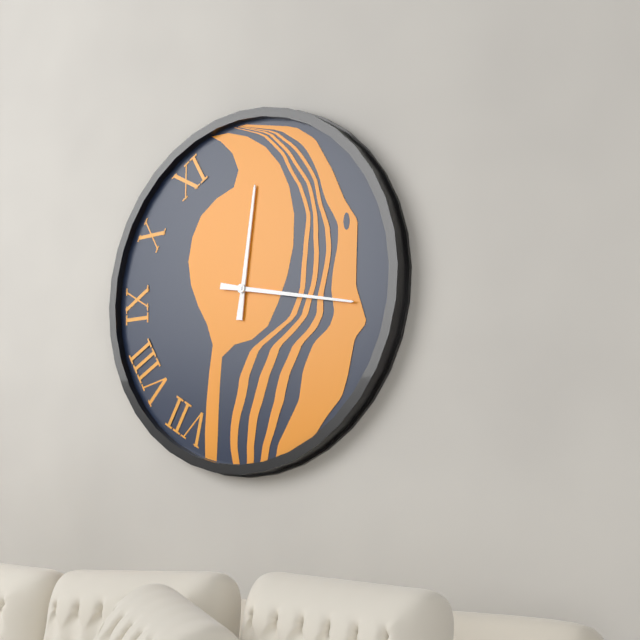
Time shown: 12:17
